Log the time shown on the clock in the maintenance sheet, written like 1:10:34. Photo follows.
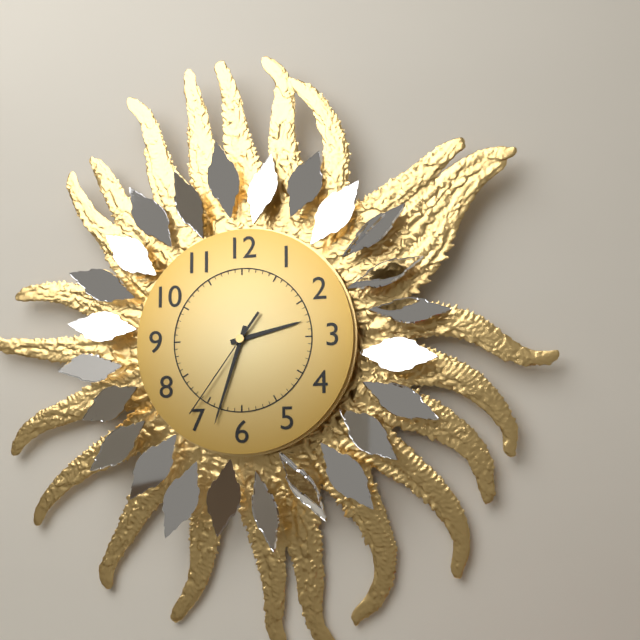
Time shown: 2:33:36
